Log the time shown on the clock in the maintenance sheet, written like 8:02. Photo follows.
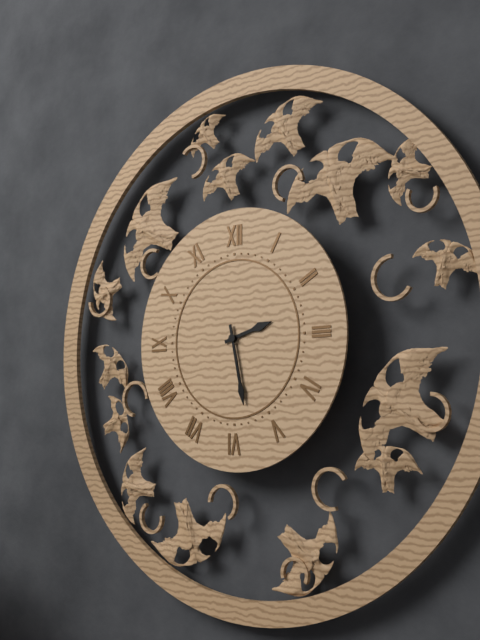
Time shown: 2:28
